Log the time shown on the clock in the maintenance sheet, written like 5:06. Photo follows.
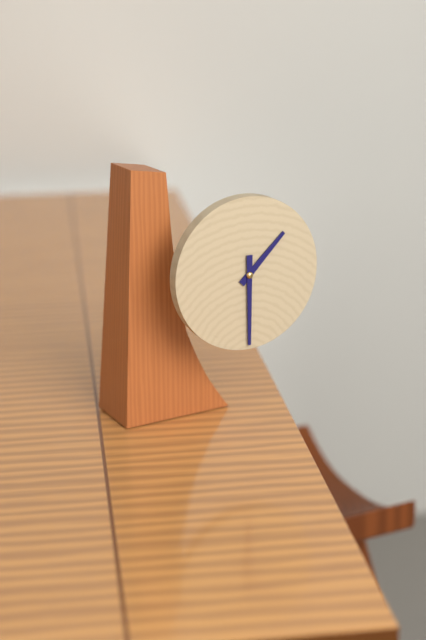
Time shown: 1:30
